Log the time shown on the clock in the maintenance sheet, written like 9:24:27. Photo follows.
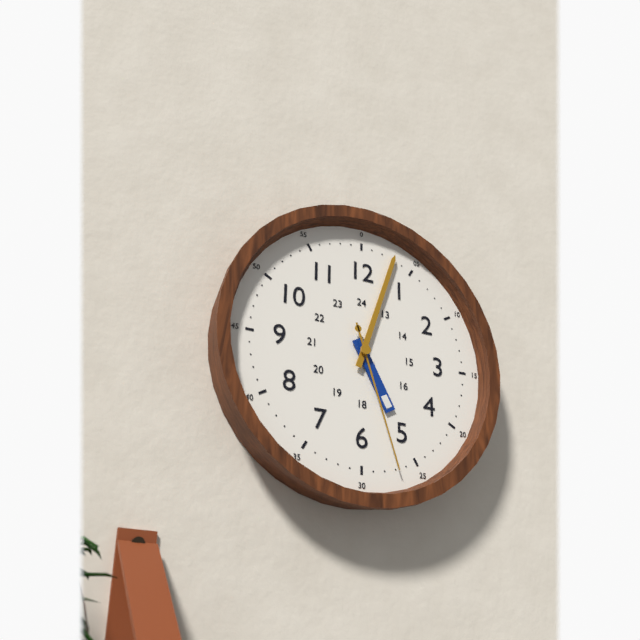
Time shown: 5:03:27
